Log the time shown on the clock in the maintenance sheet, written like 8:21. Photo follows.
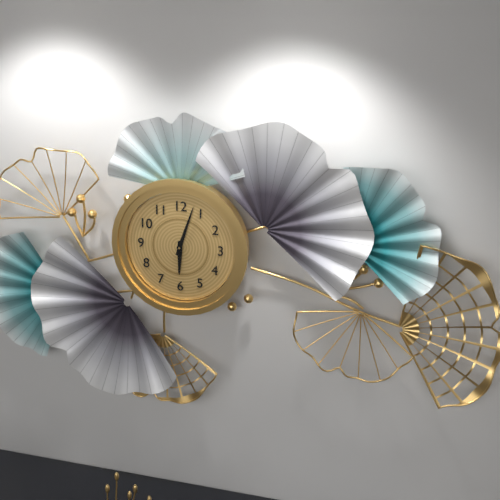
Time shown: 6:03
